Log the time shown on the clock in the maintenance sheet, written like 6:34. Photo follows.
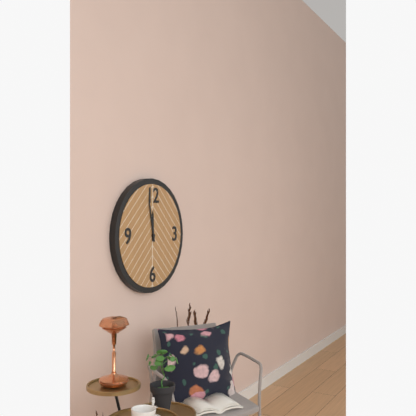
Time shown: 11:58
